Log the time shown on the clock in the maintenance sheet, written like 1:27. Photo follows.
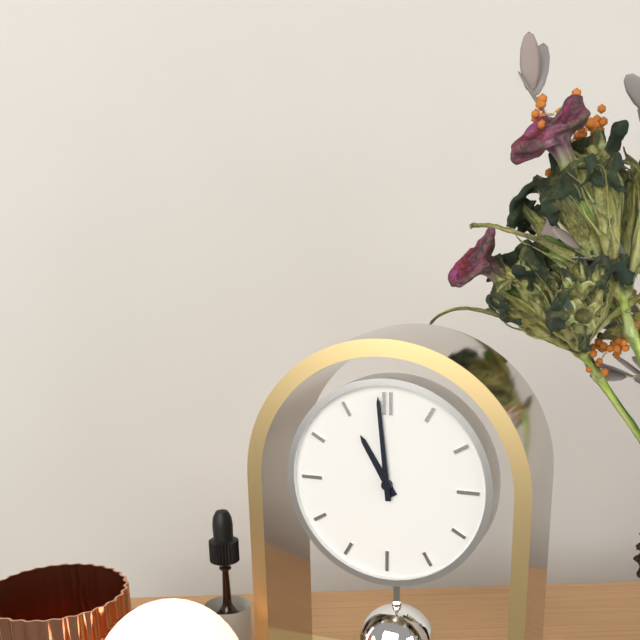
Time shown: 10:59
